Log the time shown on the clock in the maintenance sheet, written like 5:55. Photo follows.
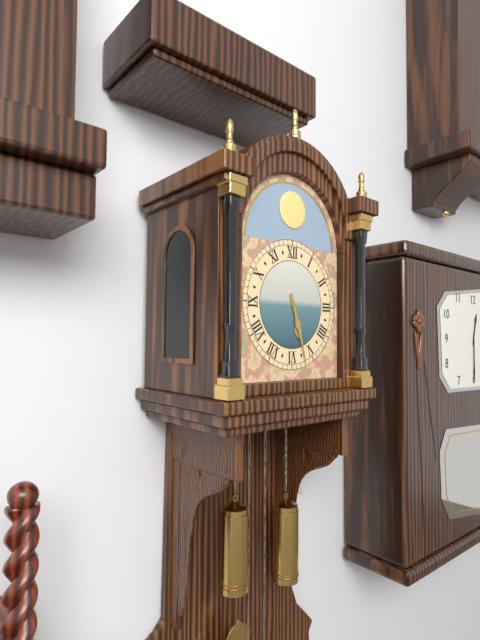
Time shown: 5:27
